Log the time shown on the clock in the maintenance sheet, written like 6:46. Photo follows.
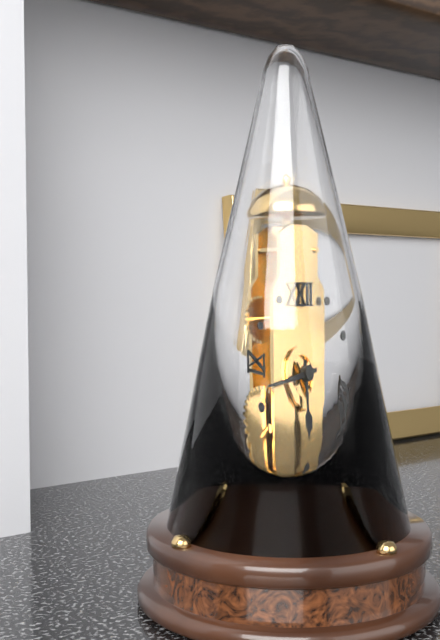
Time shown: 5:42
